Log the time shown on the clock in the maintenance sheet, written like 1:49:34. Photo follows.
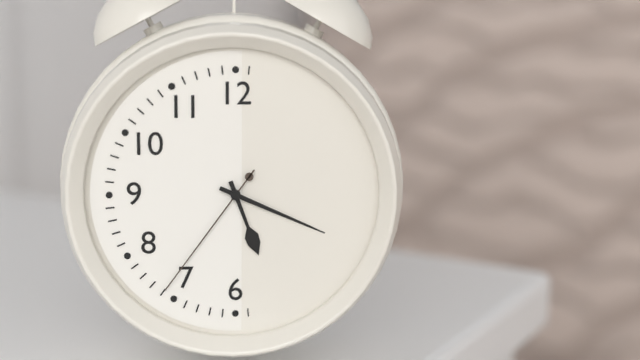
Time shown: 5:19:36
